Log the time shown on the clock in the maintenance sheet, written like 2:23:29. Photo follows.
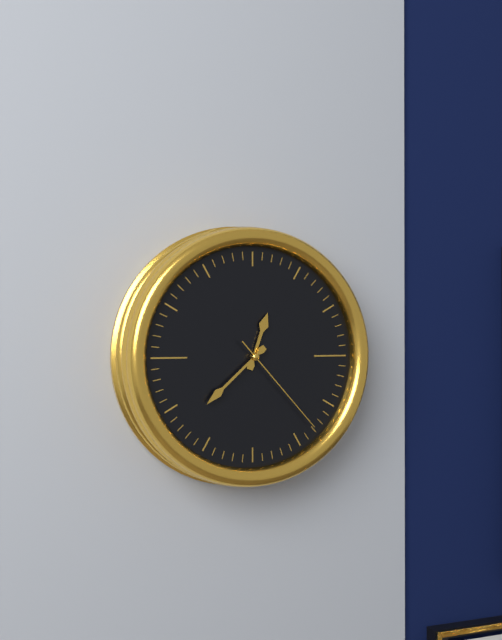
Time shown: 12:38:23
